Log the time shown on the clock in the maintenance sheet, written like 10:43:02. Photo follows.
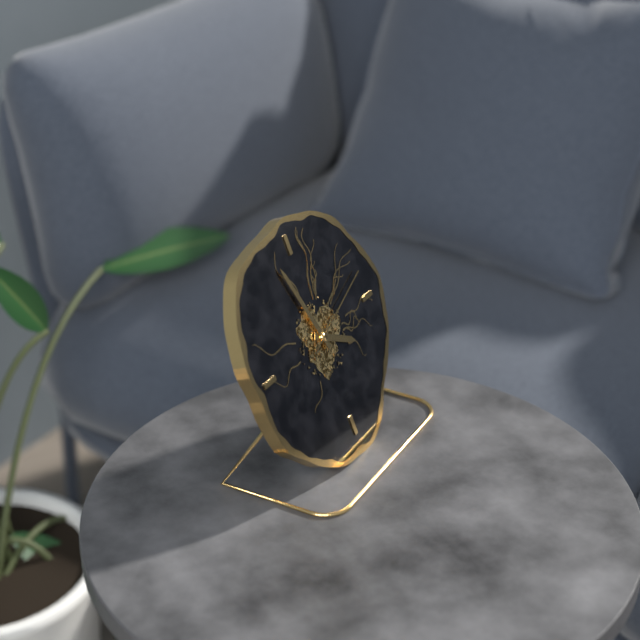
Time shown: 3:57:12
